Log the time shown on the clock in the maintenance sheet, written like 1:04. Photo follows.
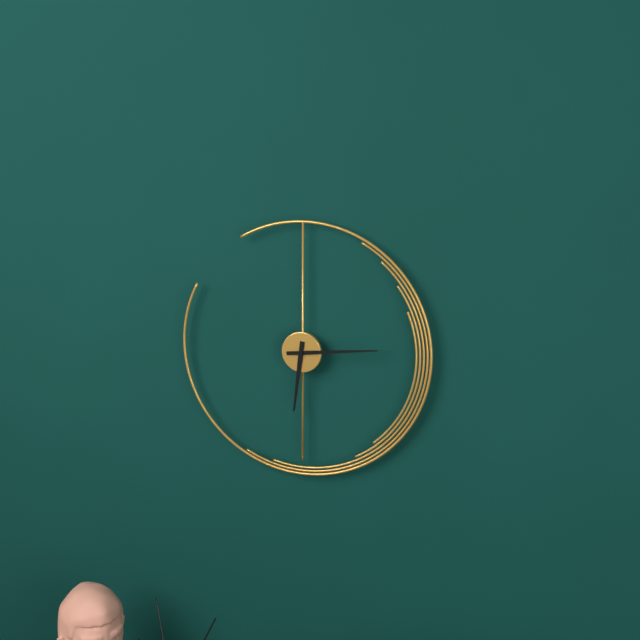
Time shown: 6:14
